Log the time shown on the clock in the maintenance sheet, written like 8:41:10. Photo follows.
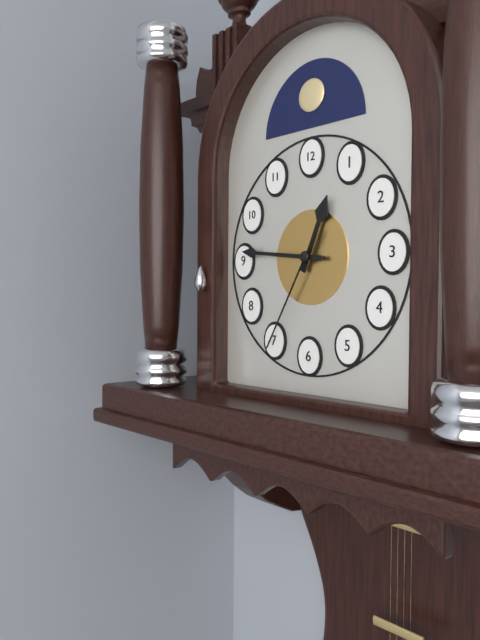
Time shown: 12:46:35
